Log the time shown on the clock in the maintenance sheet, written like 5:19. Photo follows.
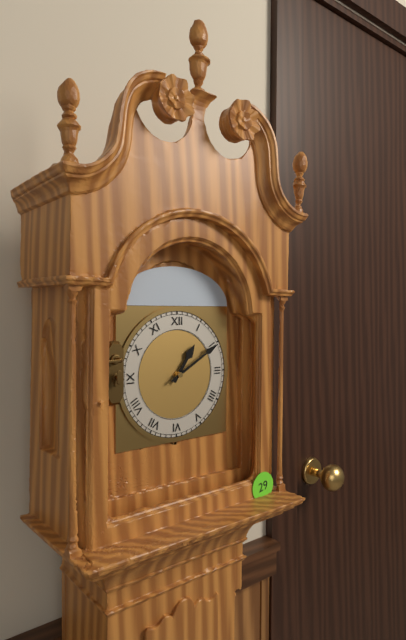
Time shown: 1:10
